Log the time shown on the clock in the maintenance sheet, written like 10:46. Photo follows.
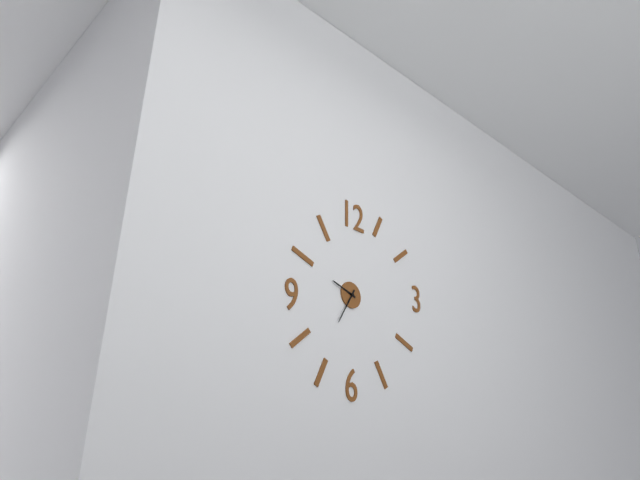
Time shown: 9:35
